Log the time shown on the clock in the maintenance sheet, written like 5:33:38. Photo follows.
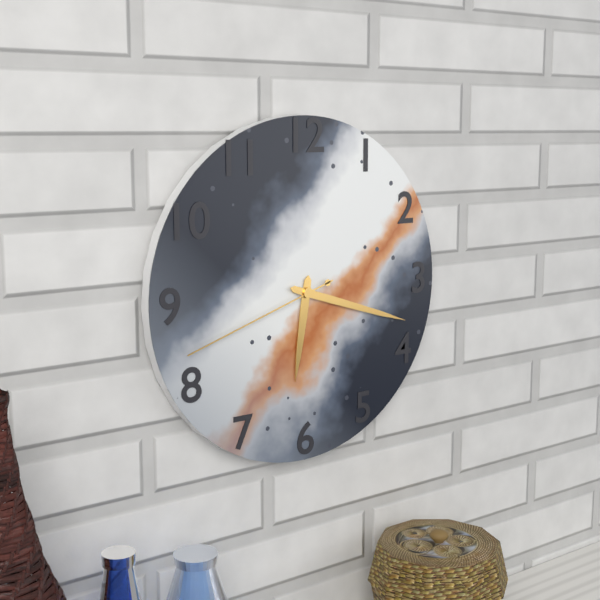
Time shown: 6:18:42
